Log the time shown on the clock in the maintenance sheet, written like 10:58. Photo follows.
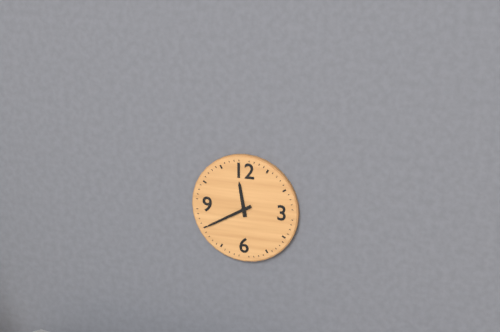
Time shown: 11:40
